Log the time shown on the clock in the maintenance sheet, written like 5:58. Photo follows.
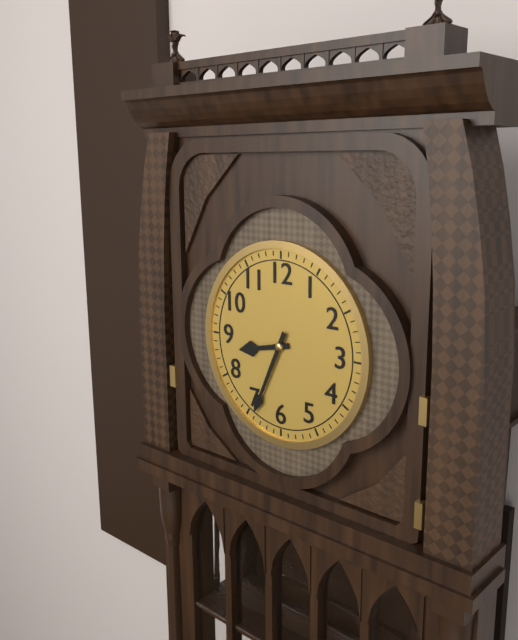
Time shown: 8:34
